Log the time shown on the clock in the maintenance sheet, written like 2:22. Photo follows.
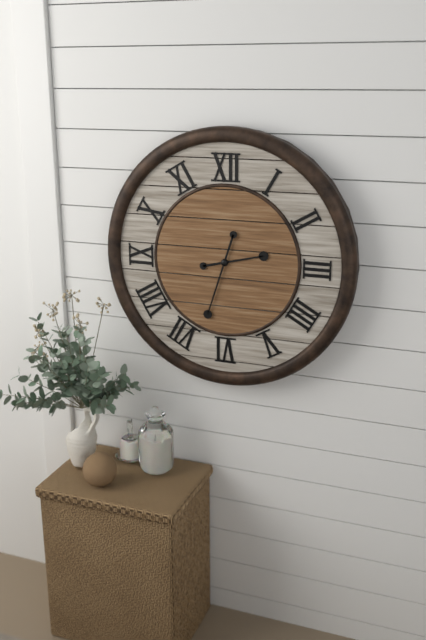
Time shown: 2:33
